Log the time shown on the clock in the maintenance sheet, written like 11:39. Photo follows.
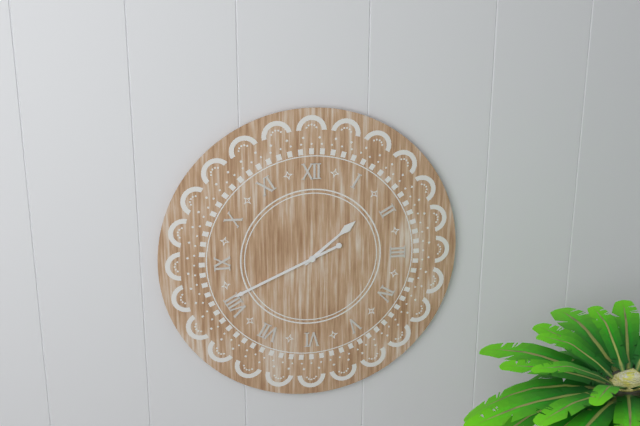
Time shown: 1:41
